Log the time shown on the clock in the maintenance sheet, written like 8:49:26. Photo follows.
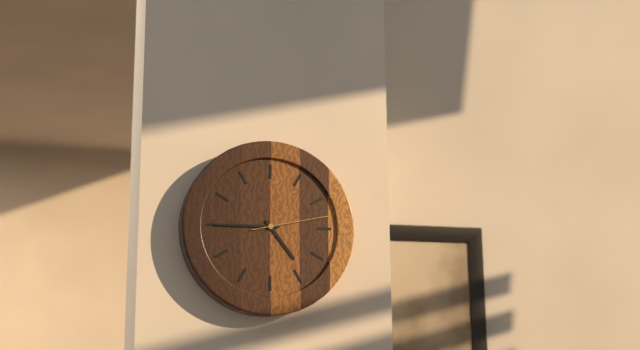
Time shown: 4:45:13
